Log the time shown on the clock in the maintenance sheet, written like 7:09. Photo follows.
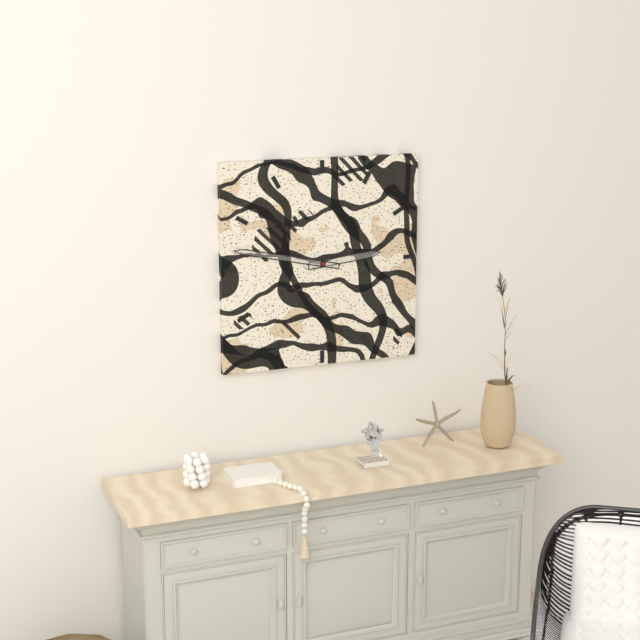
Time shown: 2:47
